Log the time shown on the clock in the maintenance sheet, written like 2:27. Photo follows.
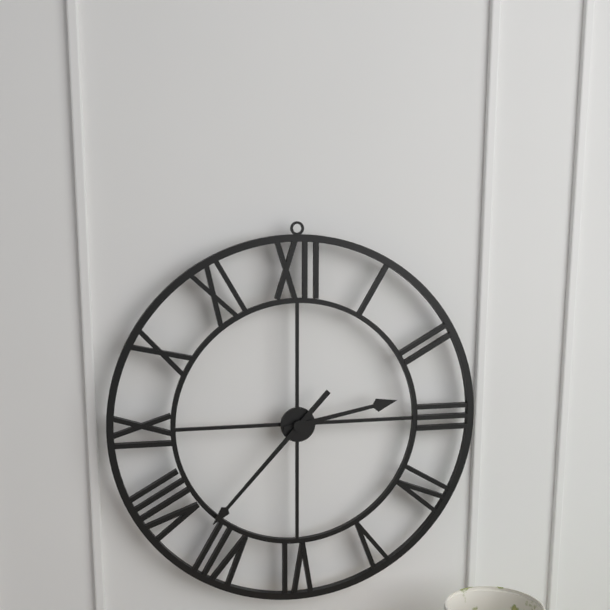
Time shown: 2:37
